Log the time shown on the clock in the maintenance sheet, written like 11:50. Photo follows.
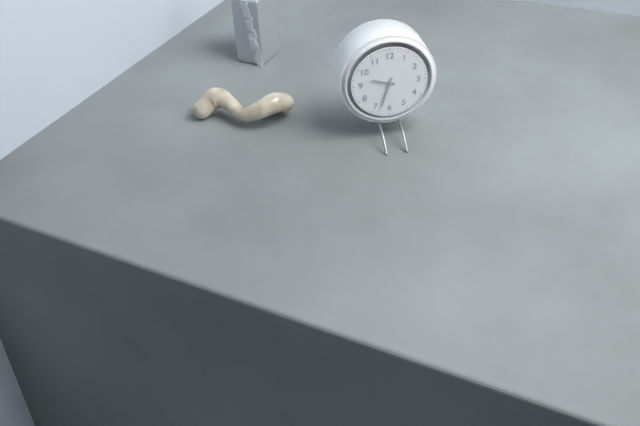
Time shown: 9:33
